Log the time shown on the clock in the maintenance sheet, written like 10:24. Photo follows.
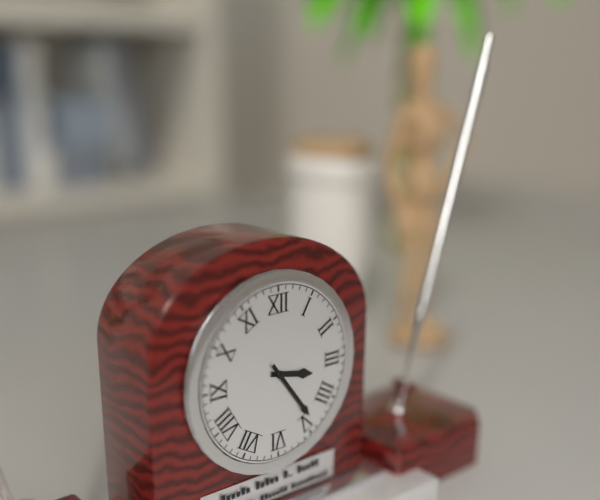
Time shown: 3:24
